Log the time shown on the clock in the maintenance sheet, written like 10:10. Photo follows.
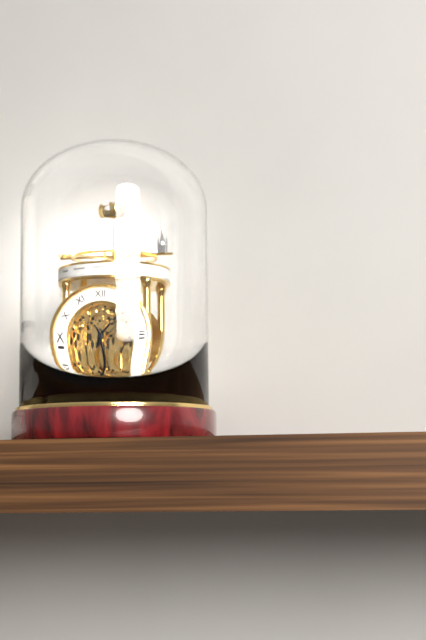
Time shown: 1:26
